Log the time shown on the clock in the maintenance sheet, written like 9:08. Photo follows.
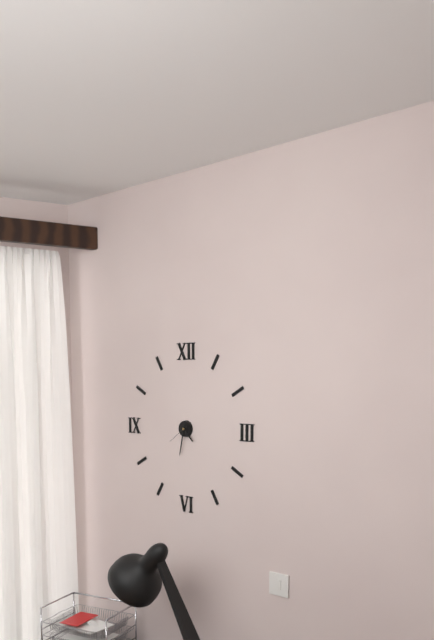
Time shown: 4:32
